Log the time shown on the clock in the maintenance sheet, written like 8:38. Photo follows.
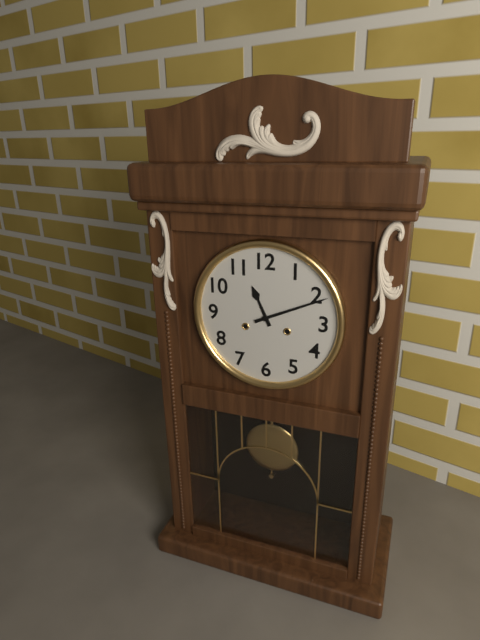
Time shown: 11:11
